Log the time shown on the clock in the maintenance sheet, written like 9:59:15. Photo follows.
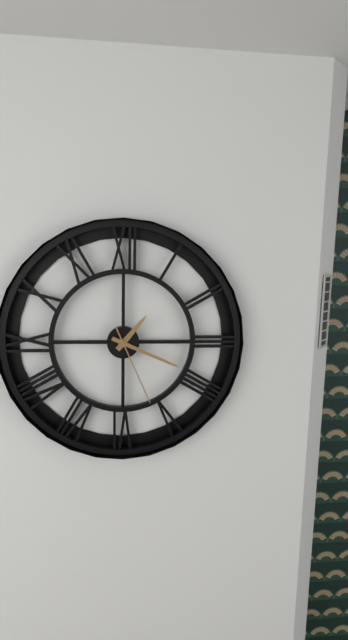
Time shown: 1:19:26
